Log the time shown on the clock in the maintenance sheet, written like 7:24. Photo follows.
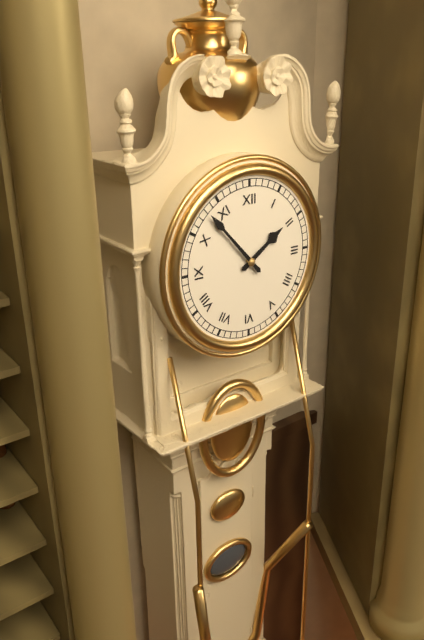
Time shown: 1:53
